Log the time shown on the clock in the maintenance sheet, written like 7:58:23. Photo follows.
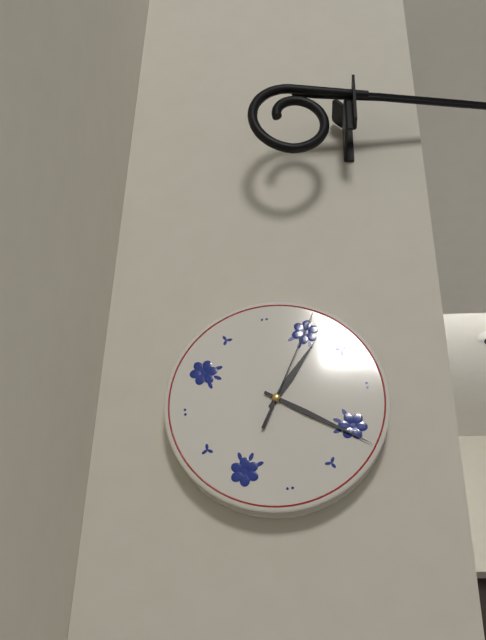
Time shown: 1:21:05
